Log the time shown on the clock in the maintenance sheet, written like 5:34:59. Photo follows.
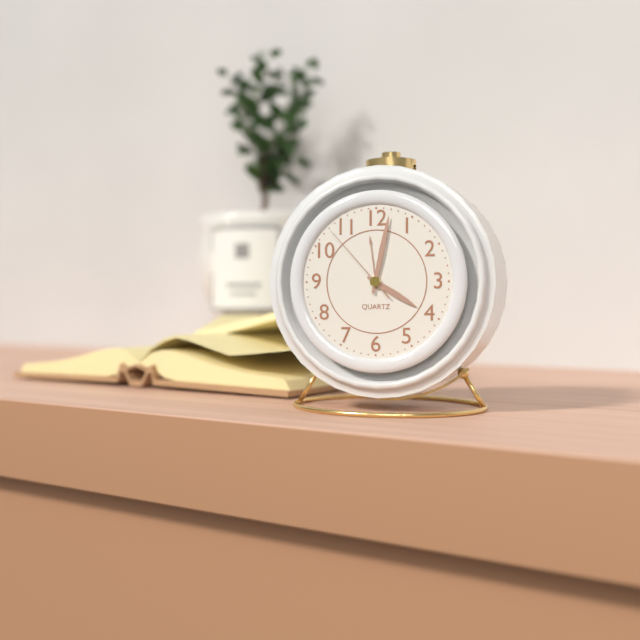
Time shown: 4:02:53
